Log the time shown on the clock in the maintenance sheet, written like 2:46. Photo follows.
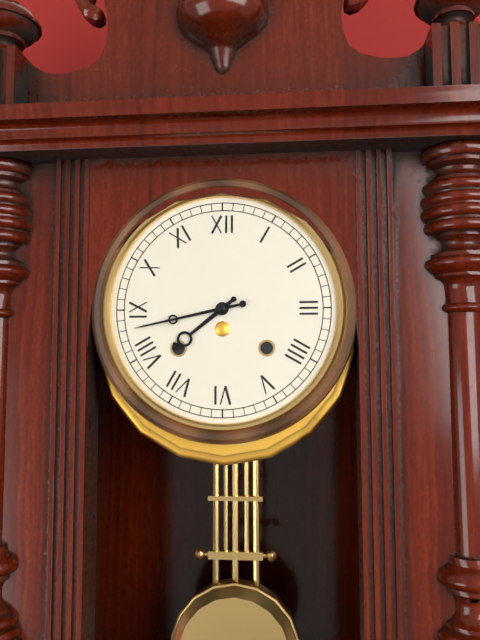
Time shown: 7:43
